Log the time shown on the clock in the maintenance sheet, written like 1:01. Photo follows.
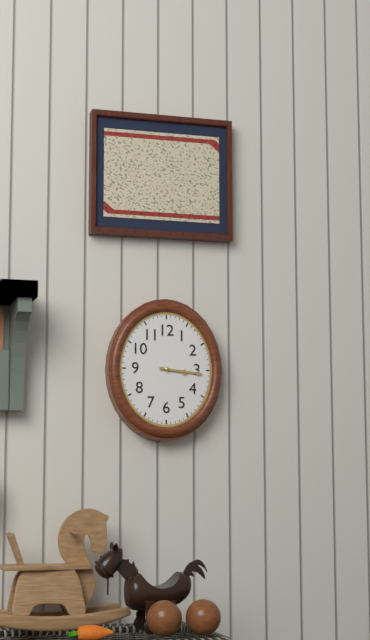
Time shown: 3:16
